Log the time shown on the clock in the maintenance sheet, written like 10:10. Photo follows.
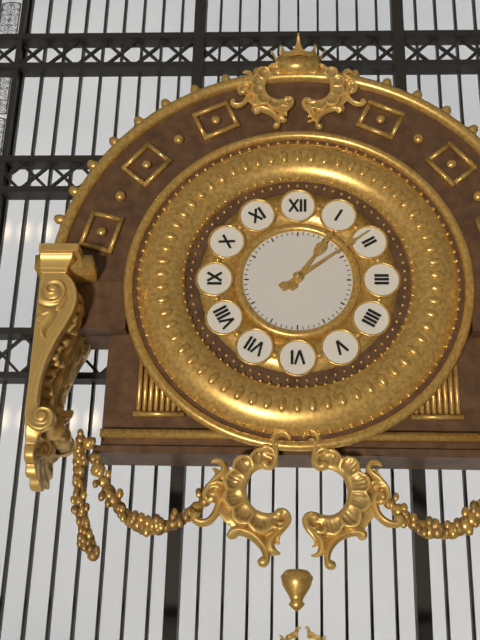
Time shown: 1:09
